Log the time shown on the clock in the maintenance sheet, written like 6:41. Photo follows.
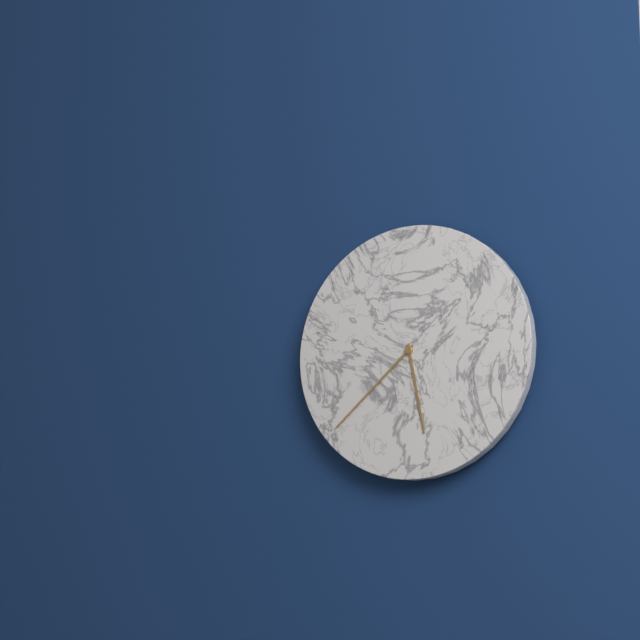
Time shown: 5:38
